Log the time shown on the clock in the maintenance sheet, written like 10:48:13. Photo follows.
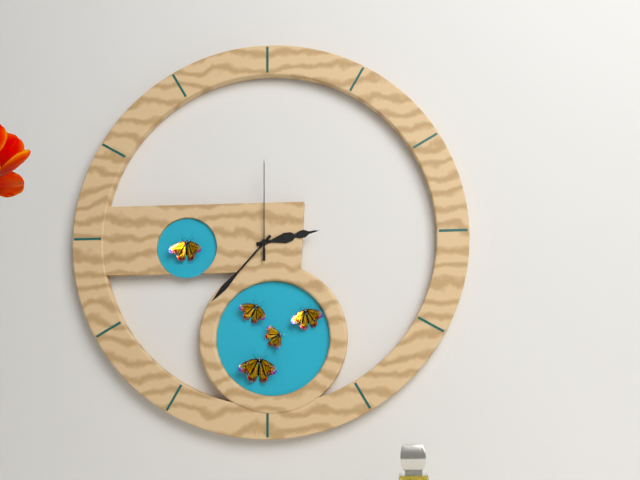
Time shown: 2:37:00
